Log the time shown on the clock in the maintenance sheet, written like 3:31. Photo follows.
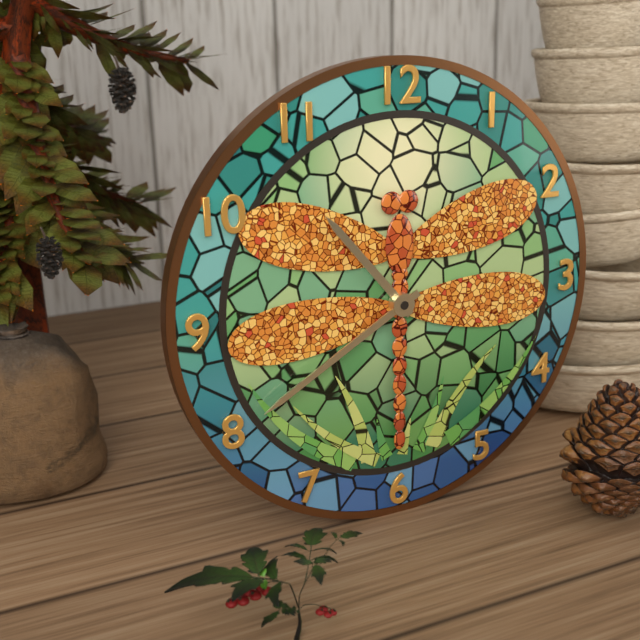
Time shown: 10:40
